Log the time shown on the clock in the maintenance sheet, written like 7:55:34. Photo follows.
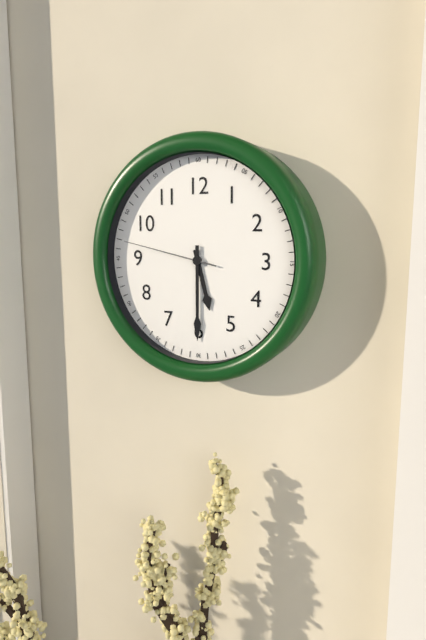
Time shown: 5:30:47
